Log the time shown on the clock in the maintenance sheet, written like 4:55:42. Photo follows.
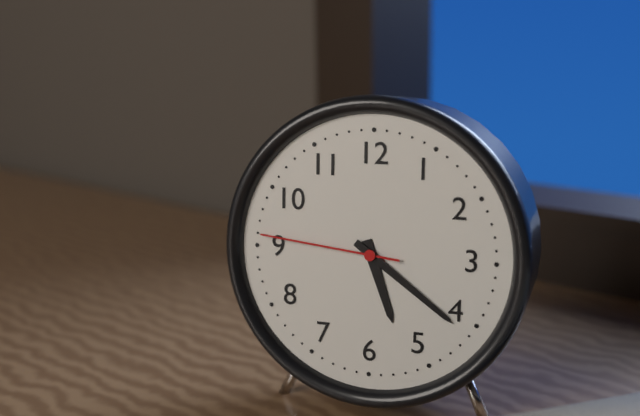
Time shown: 5:21:46
